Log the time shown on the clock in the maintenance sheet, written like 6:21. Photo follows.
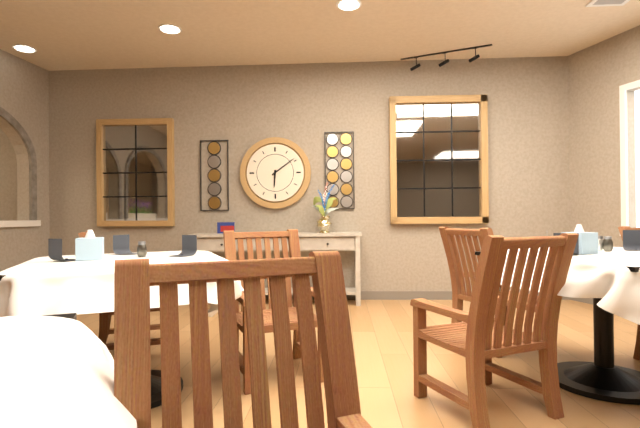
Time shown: 6:09
